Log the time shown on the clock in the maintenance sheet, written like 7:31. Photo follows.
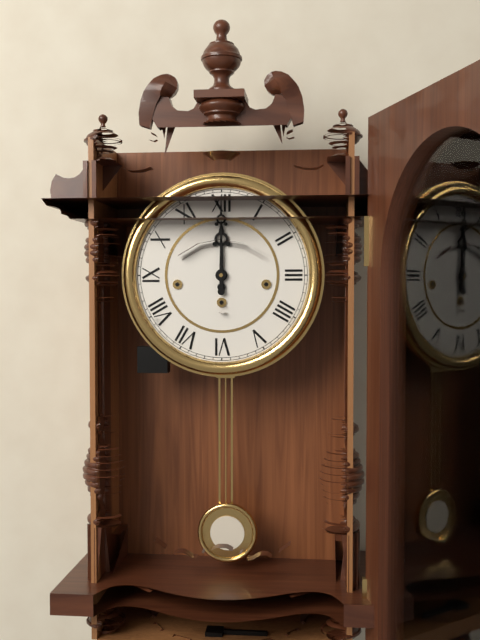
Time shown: 12:00
